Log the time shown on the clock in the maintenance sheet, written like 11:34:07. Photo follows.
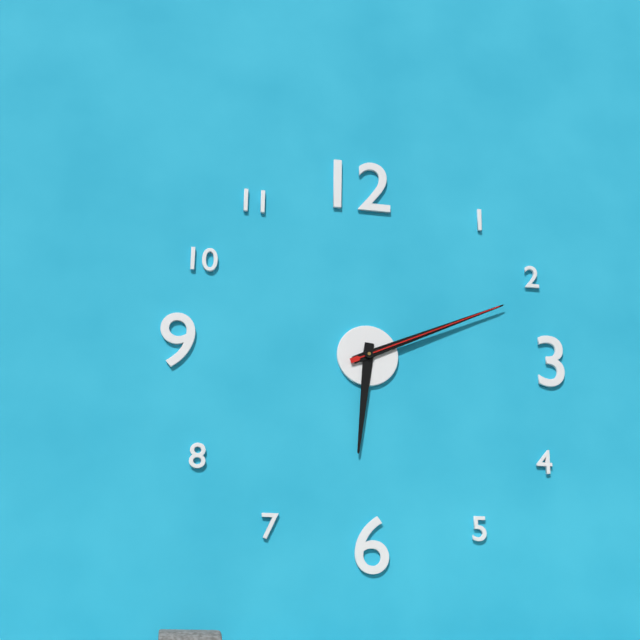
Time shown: 6:11:11
